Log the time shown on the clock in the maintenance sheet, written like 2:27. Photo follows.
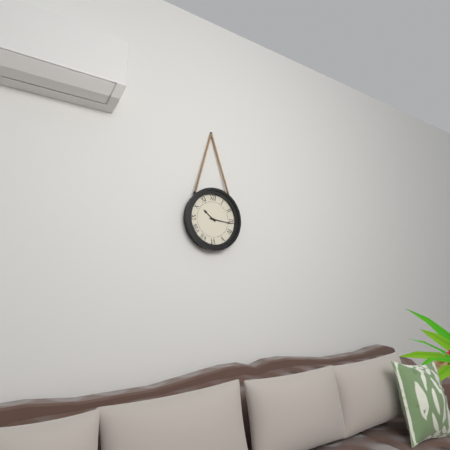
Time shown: 10:16
